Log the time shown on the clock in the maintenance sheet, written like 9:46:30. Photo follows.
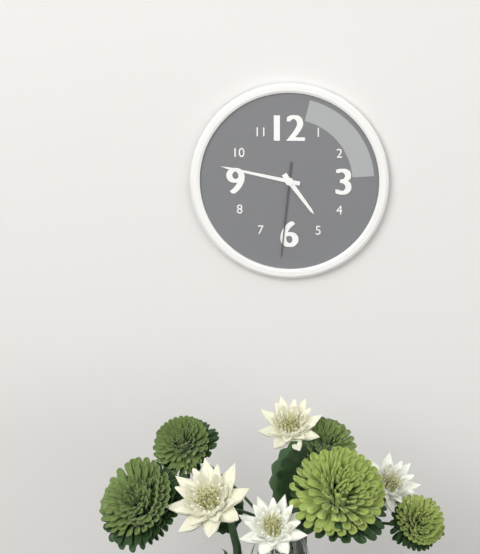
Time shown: 4:47:31
